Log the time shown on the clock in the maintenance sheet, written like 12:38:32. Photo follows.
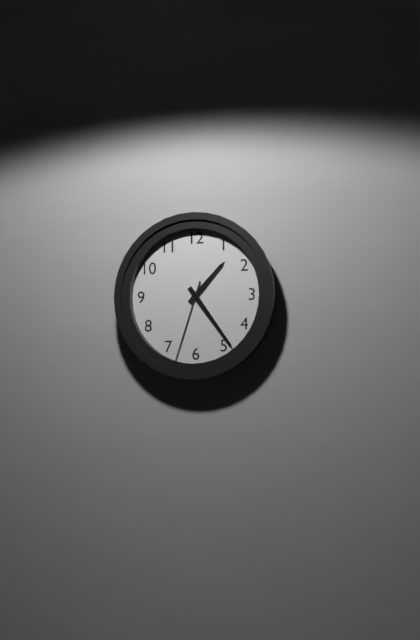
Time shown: 1:24:33
